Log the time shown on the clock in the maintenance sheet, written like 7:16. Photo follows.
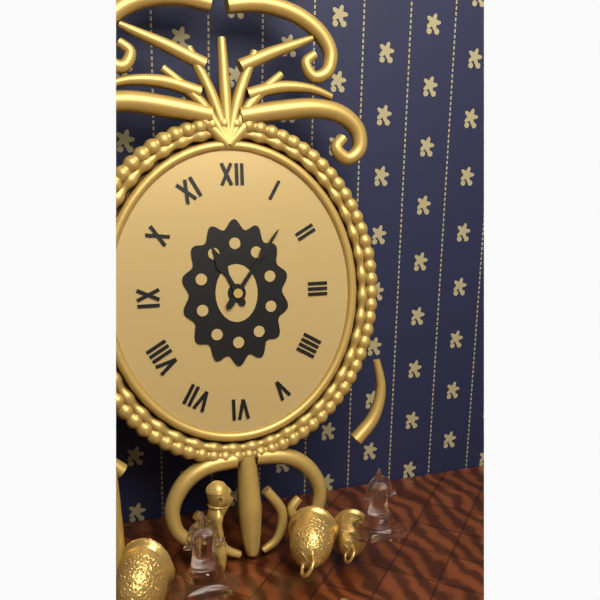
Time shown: 11:06
